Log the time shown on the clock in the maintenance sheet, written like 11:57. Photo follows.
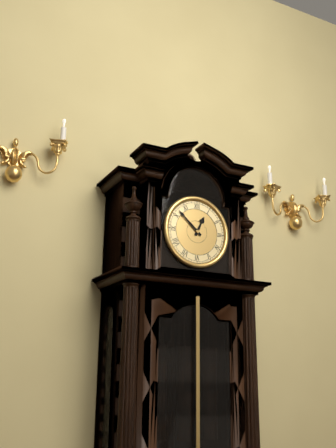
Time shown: 12:52
